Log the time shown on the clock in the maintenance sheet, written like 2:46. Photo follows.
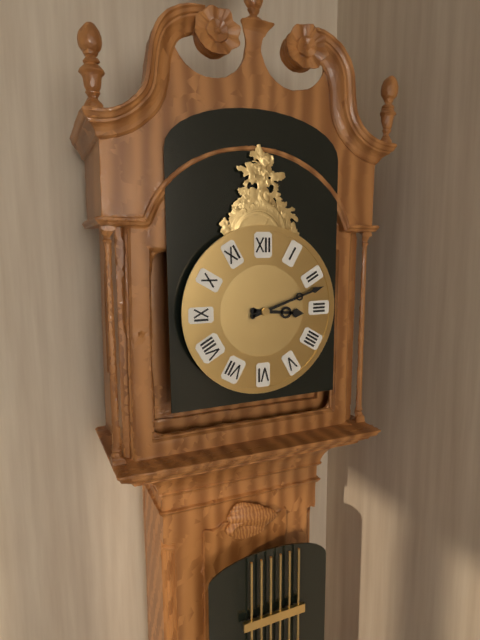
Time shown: 3:12
